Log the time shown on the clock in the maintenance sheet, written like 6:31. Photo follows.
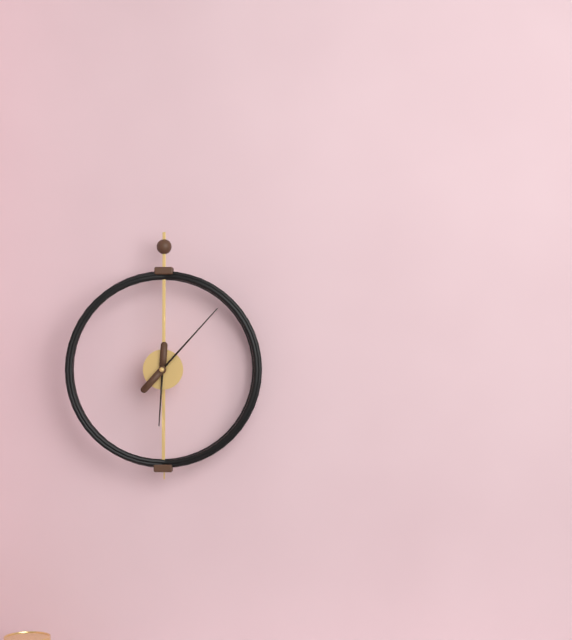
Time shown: 6:07
